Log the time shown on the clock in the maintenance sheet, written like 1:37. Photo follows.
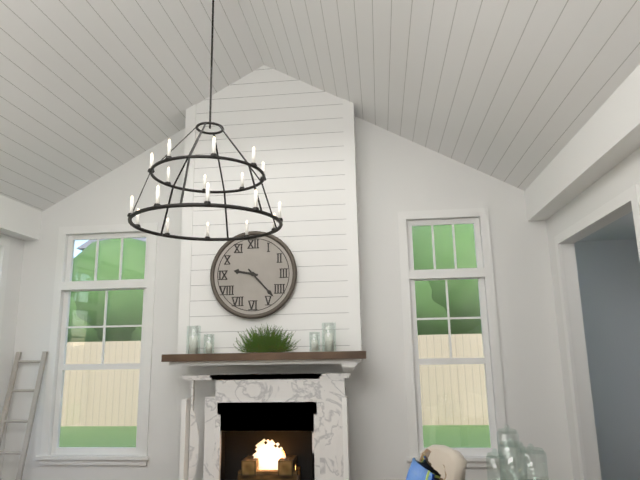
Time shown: 9:23
